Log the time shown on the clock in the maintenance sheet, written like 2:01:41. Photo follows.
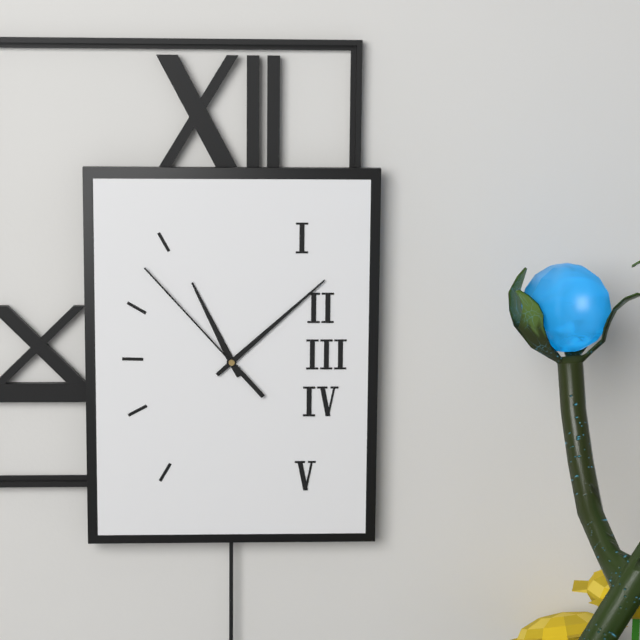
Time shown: 11:08:53
